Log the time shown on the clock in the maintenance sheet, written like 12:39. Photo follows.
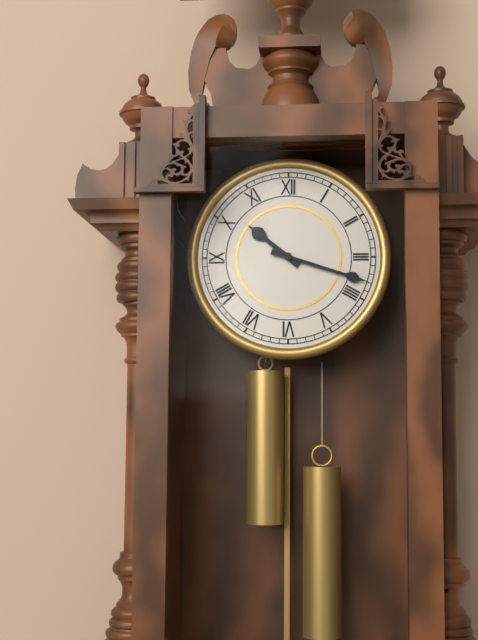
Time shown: 10:18
